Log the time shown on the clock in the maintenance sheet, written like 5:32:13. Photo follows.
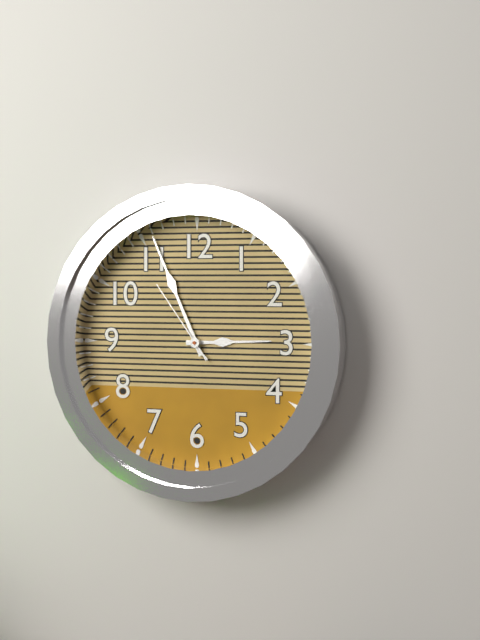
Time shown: 2:56:54
